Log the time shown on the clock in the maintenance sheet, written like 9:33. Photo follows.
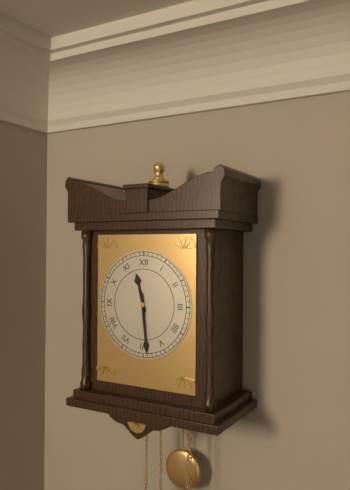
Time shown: 11:29
